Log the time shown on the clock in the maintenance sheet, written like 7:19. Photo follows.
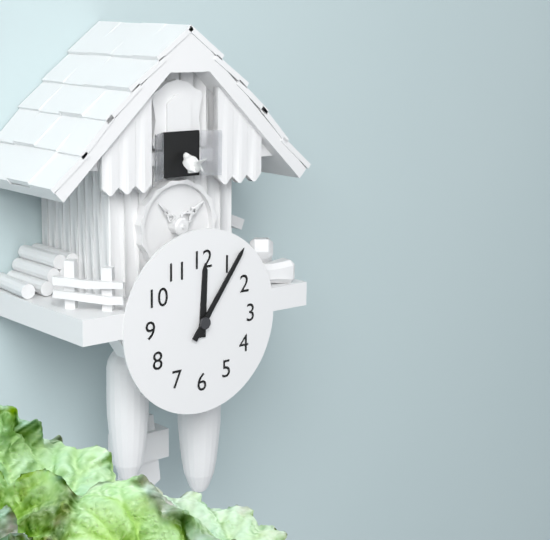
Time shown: 12:06
